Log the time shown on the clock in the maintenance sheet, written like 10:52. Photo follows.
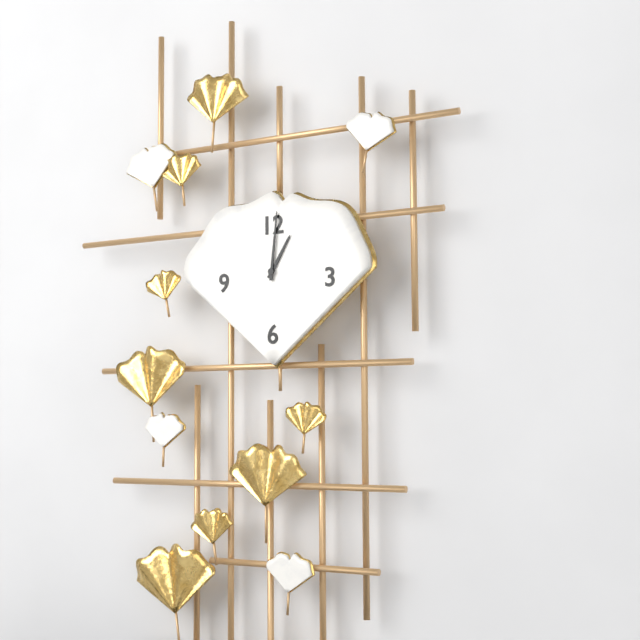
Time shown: 1:01
